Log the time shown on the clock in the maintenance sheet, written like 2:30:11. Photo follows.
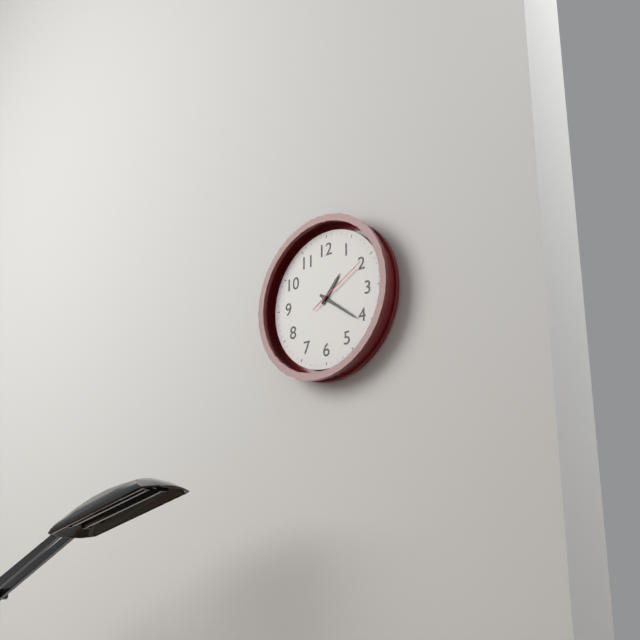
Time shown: 1:21:10
